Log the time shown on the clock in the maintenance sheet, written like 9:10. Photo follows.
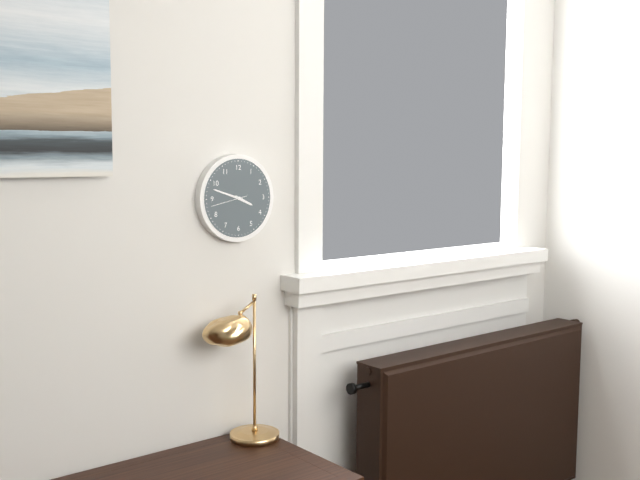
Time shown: 3:48
